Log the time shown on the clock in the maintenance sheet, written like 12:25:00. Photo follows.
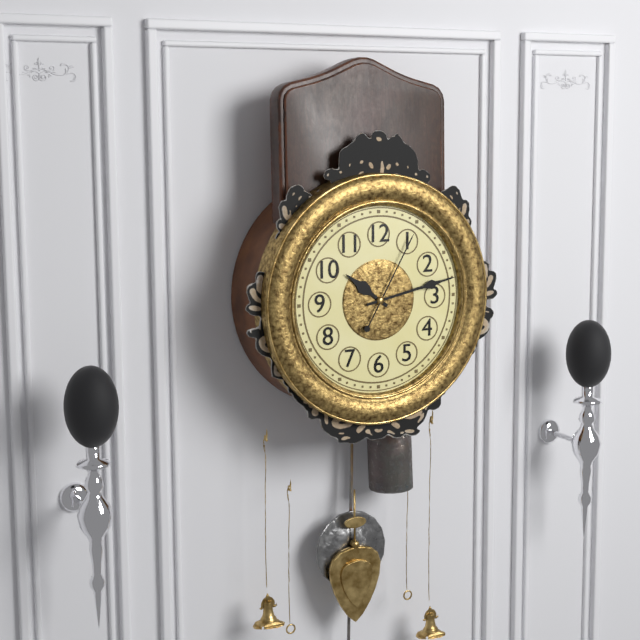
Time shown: 10:13:05
